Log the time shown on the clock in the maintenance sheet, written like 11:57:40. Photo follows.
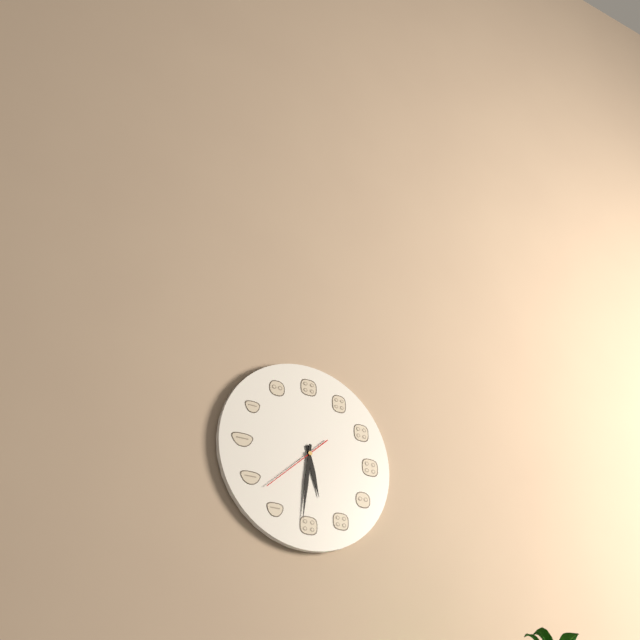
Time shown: 5:31:38
